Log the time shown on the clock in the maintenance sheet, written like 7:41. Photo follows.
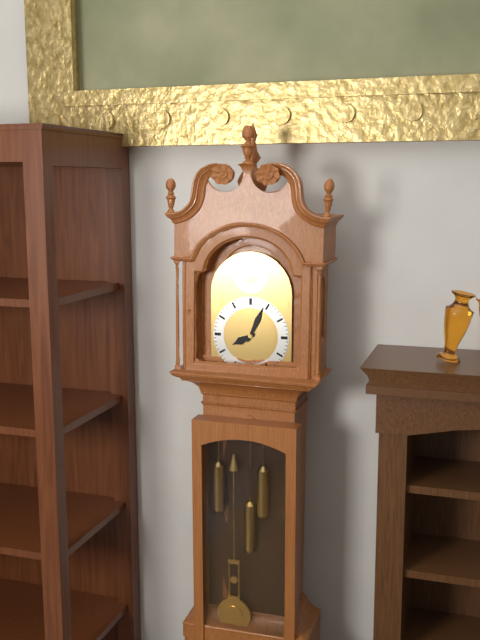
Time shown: 8:04
